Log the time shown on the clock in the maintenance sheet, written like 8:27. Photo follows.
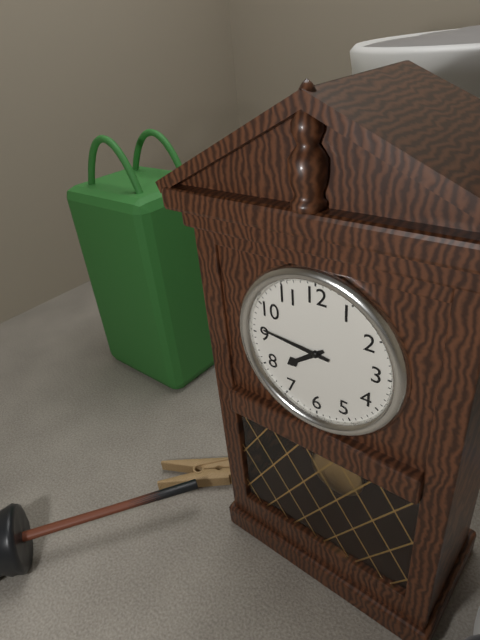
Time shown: 7:46
